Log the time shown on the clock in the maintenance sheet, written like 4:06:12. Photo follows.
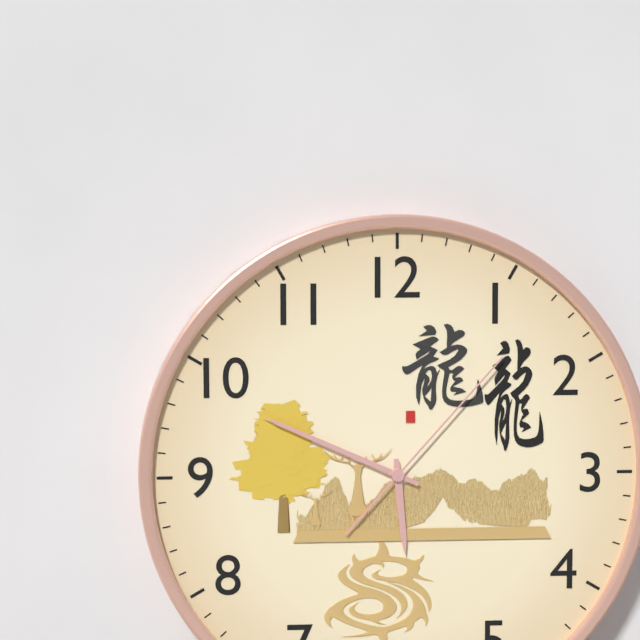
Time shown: 5:49:07
